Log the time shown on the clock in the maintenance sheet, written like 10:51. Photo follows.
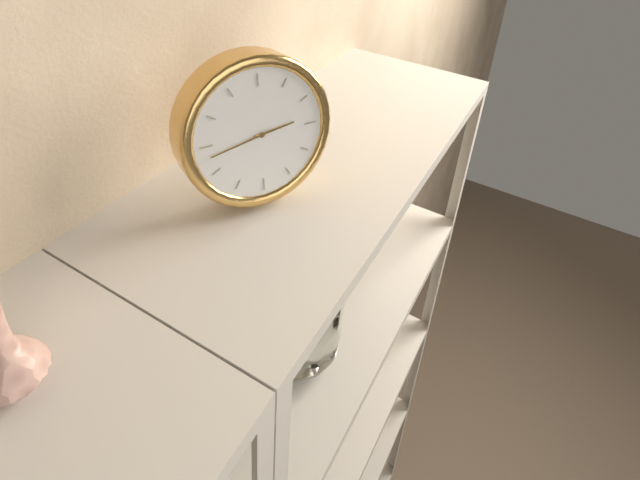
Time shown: 2:43
